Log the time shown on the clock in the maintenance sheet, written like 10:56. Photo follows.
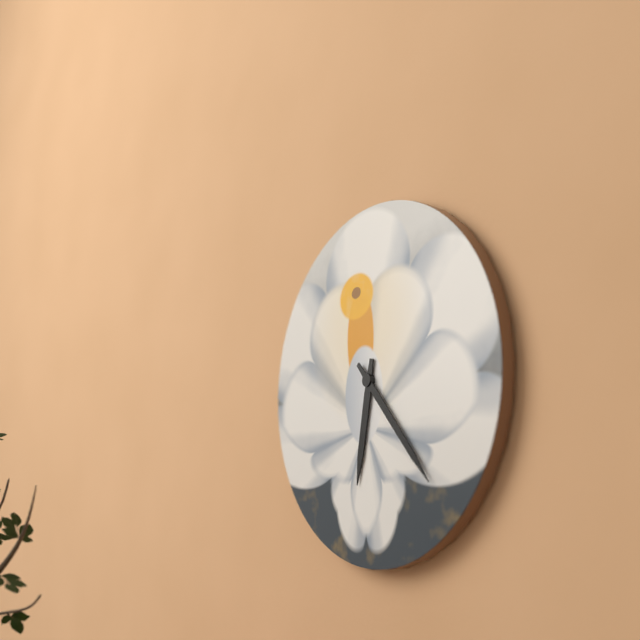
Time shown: 6:23
